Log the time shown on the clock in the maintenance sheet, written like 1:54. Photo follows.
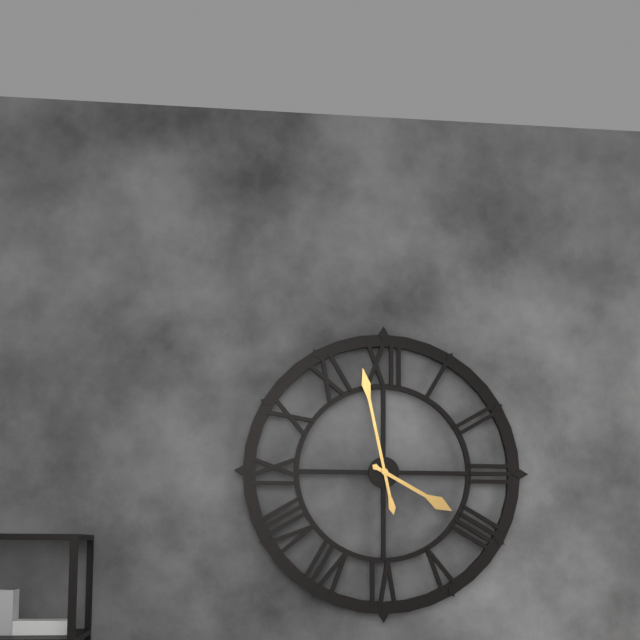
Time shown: 3:58
